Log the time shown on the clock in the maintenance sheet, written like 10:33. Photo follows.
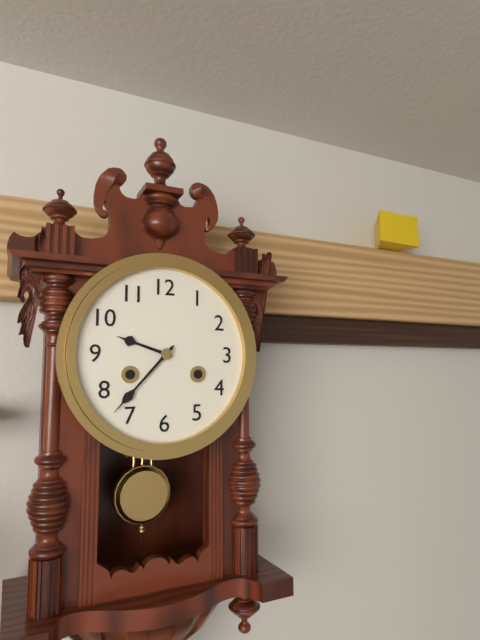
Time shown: 9:37
